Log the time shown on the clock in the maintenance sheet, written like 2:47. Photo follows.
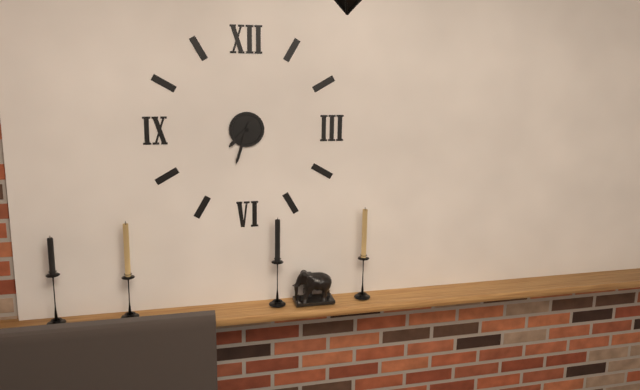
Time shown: 7:33
